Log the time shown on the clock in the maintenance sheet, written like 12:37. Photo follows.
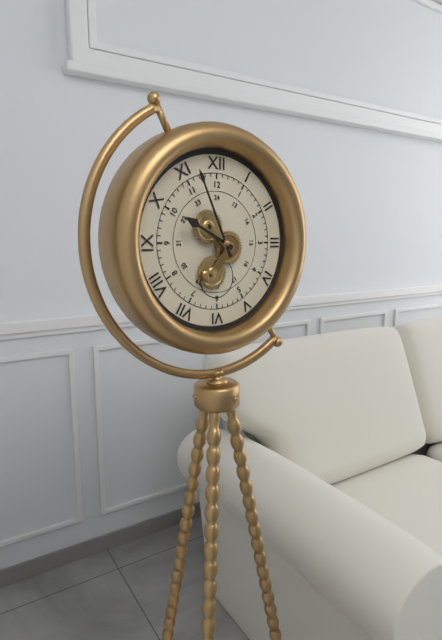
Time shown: 9:56
